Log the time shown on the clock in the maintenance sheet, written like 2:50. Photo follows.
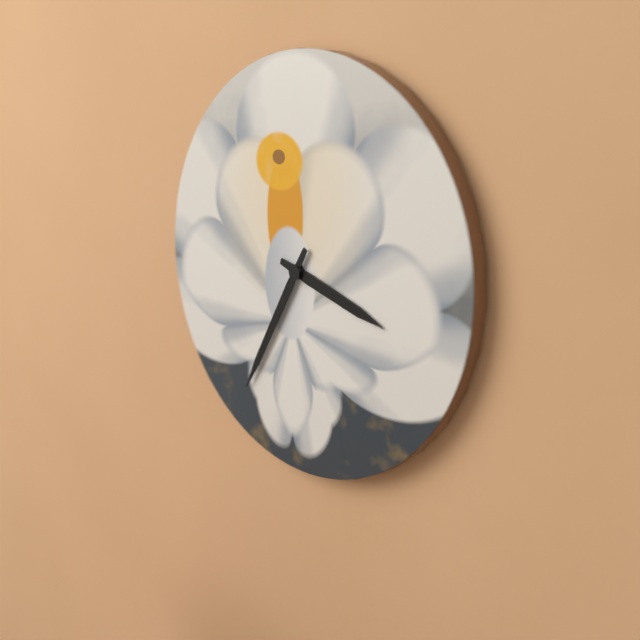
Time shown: 3:35
